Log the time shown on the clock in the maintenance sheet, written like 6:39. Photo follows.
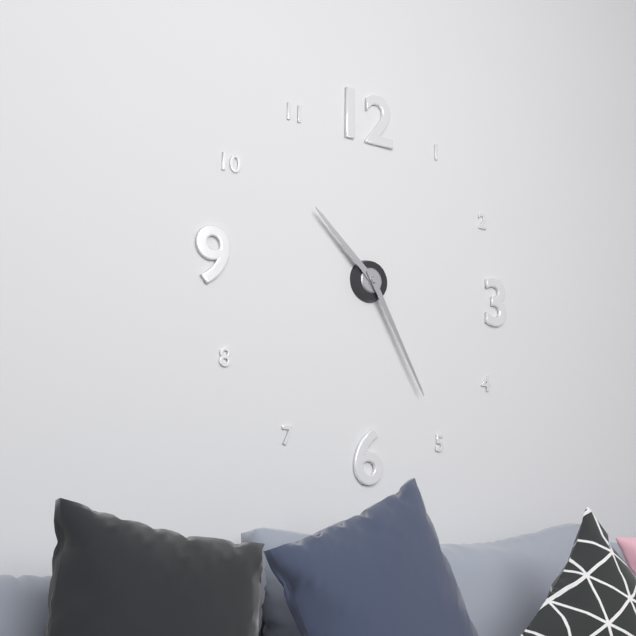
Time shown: 10:25
